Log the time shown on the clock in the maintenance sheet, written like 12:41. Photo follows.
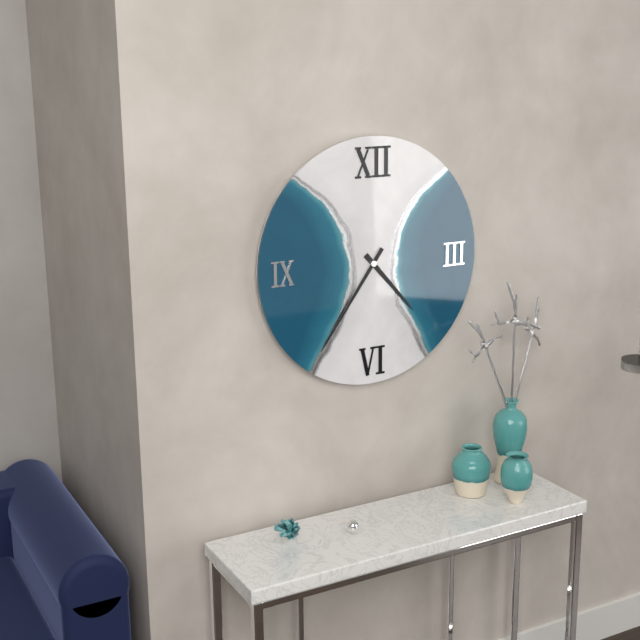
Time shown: 4:36
